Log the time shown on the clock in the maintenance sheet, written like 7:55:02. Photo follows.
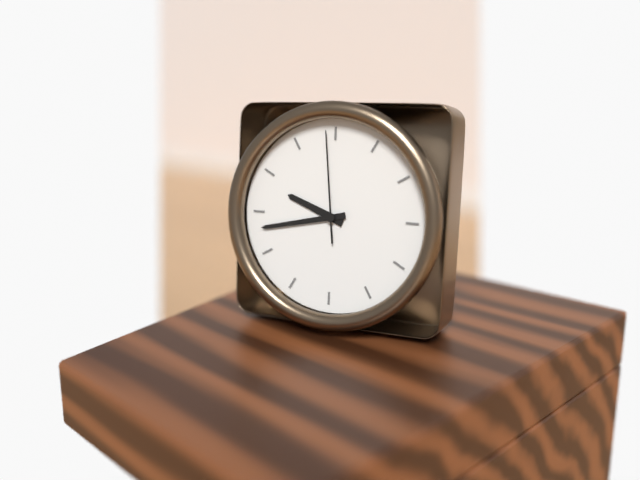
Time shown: 9:43:59
